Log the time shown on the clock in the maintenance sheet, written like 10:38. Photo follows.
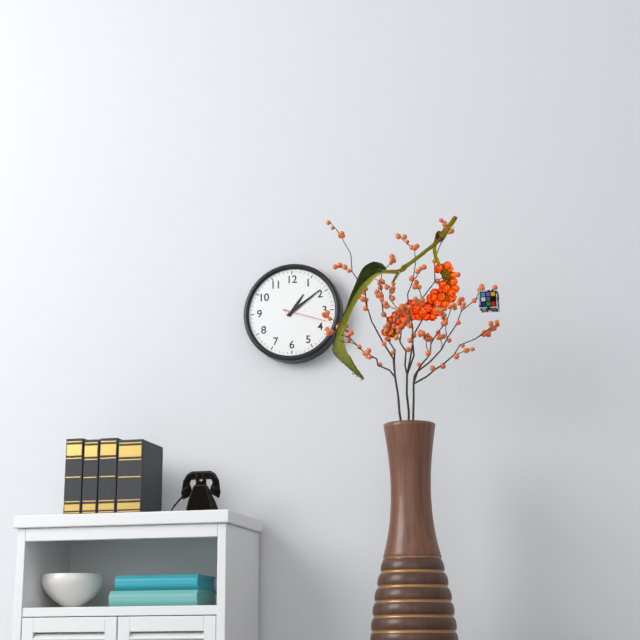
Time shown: 1:09
